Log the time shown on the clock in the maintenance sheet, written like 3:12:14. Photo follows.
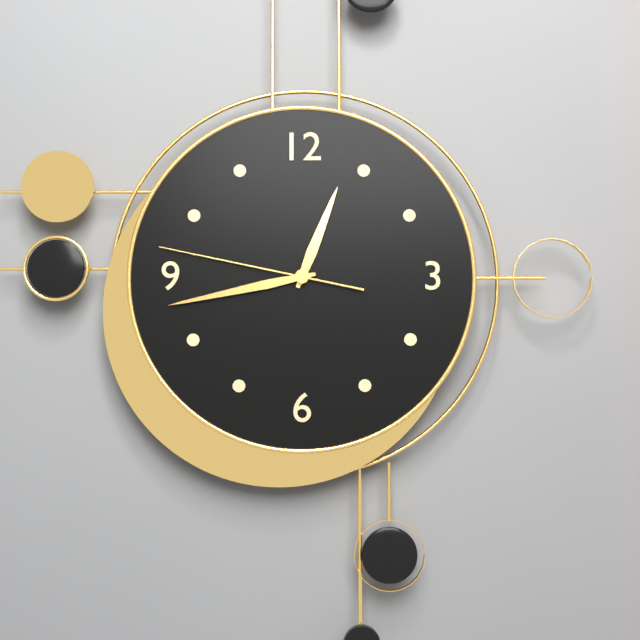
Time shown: 12:43:47
